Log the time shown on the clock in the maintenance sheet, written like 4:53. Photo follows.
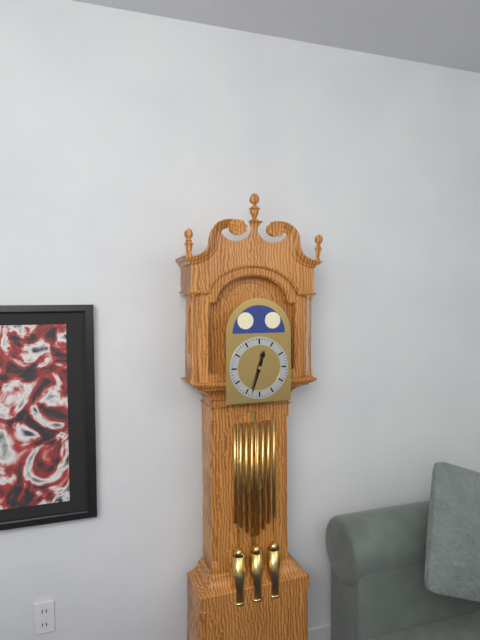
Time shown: 12:33
